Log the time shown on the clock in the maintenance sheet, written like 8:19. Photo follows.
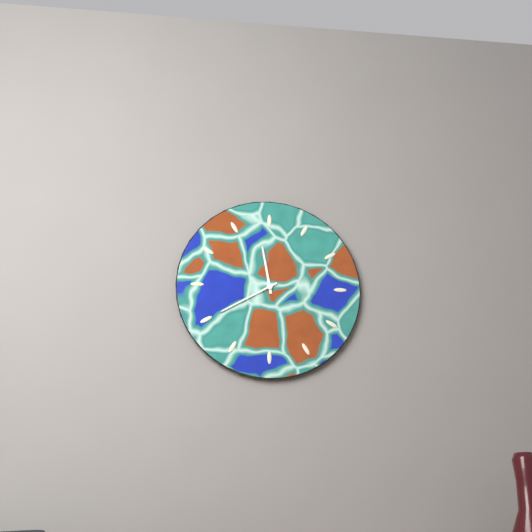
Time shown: 11:40
